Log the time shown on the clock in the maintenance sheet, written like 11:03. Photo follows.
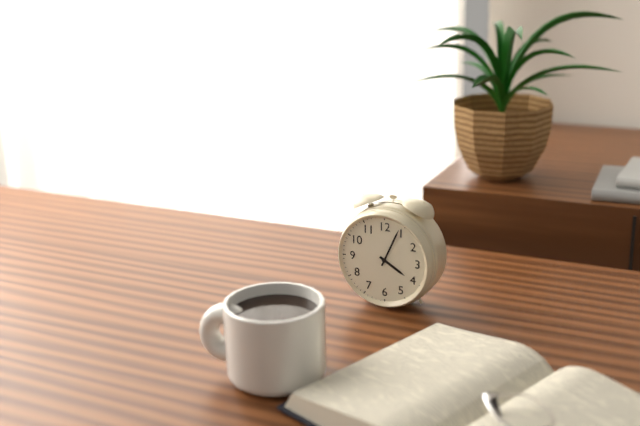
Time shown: 4:04
